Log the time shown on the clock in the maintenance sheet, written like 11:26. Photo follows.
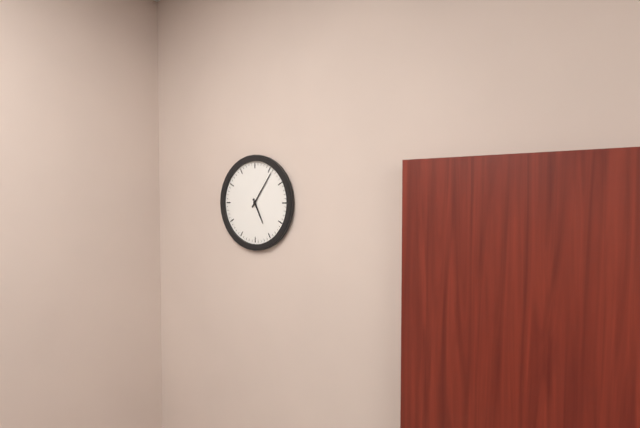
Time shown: 5:06
